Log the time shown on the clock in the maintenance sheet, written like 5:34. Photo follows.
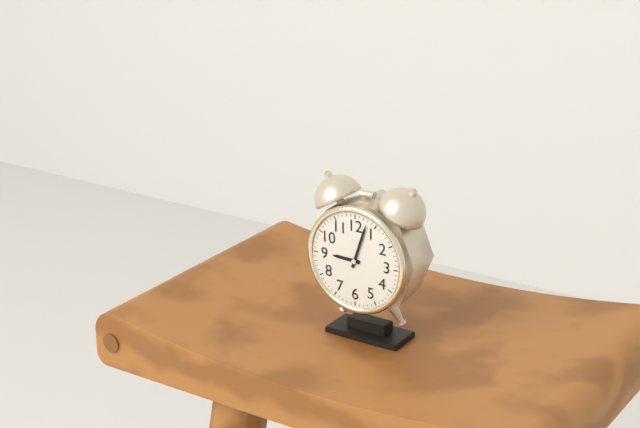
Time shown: 9:03
